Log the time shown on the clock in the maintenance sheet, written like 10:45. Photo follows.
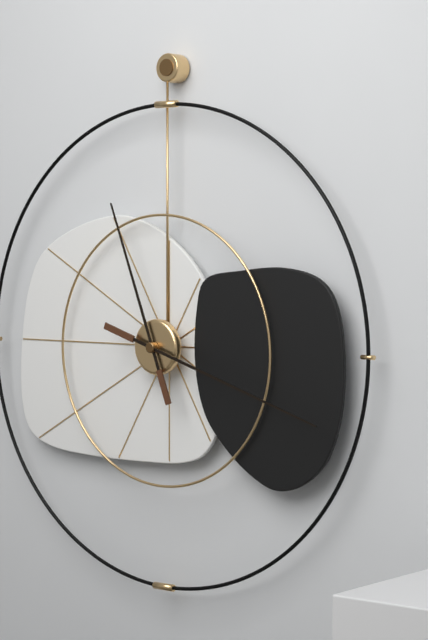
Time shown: 11:18
